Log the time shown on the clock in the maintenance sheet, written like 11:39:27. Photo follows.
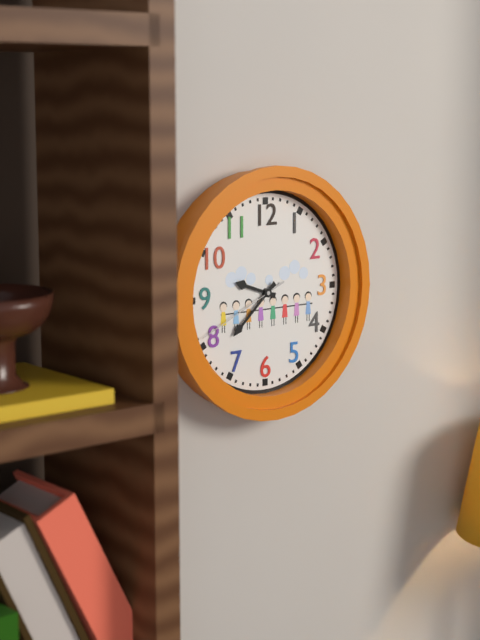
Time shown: 9:38:41
